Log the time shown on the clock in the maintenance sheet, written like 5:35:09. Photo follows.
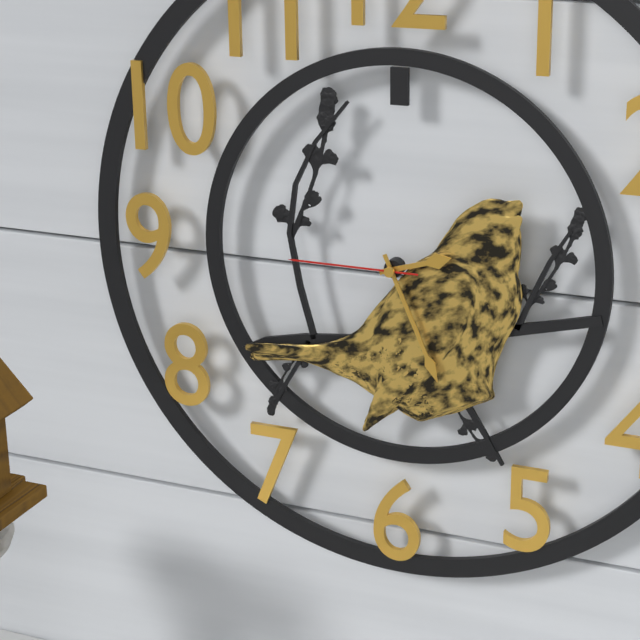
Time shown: 2:26:45
